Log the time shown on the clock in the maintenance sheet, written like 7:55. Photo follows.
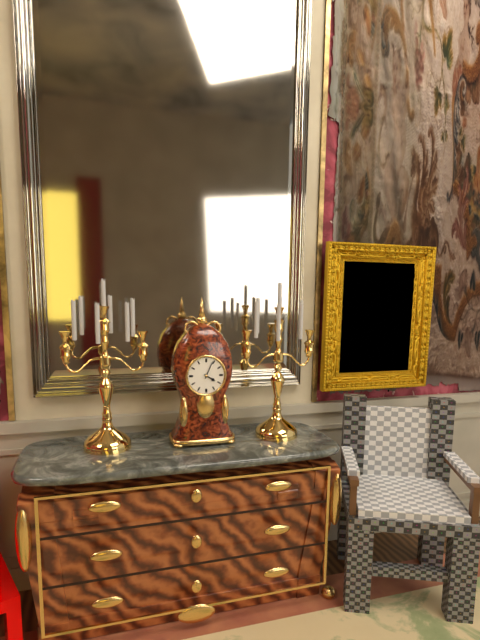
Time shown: 4:04
